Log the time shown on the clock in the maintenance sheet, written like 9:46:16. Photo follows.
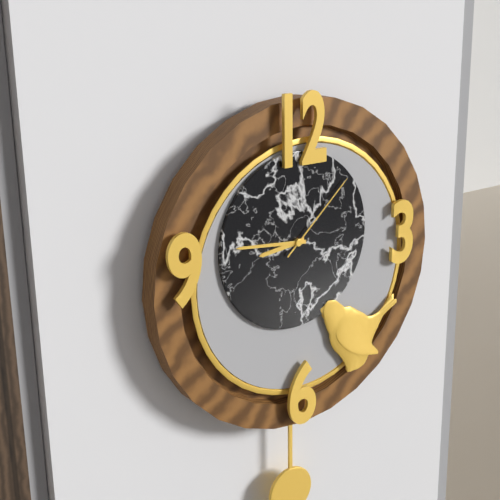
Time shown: 8:46:08
